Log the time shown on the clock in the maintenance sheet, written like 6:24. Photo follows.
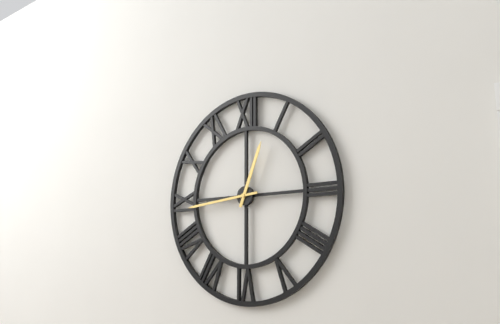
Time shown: 12:44
